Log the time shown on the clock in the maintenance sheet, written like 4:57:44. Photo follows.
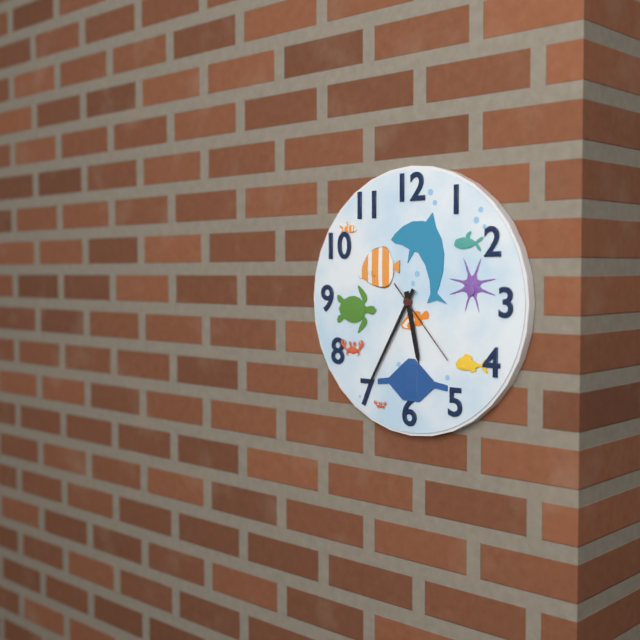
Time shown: 5:35:23
